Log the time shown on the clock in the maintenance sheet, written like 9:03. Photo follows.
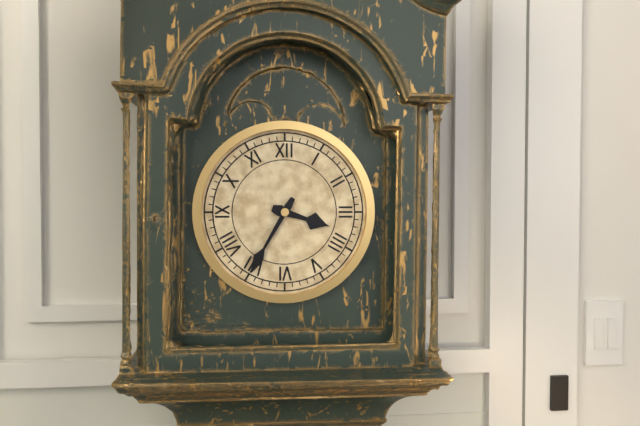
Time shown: 3:35
